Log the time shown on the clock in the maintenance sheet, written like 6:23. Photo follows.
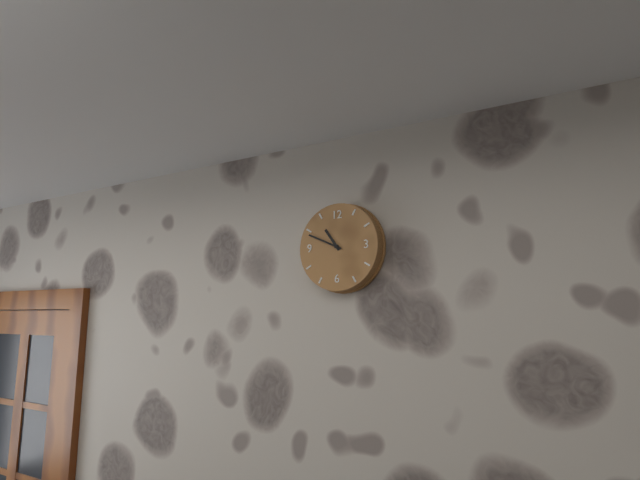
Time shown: 10:49
